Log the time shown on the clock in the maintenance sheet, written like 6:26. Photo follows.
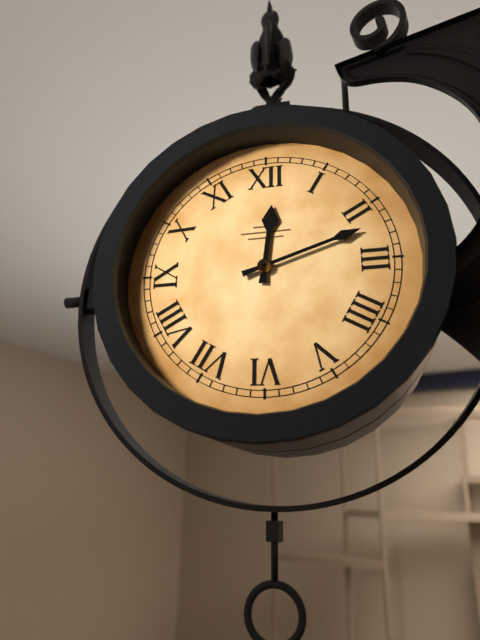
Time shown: 12:12
